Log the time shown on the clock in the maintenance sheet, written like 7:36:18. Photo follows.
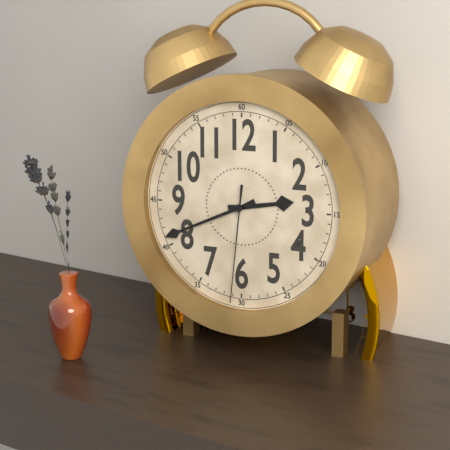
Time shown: 2:41:31
